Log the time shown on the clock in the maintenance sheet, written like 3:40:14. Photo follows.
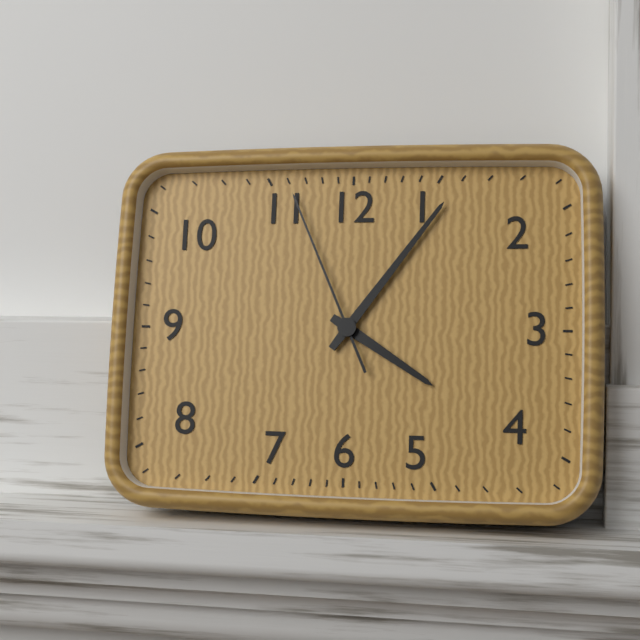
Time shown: 4:06:56
